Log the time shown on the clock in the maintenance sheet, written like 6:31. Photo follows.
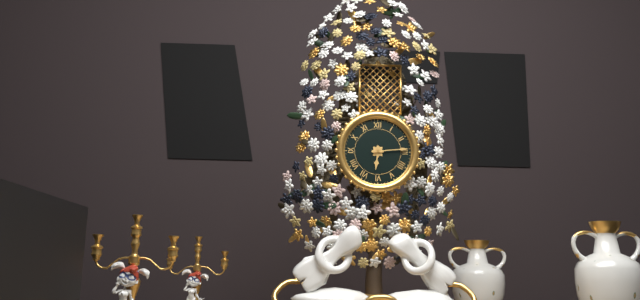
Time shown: 6:14
